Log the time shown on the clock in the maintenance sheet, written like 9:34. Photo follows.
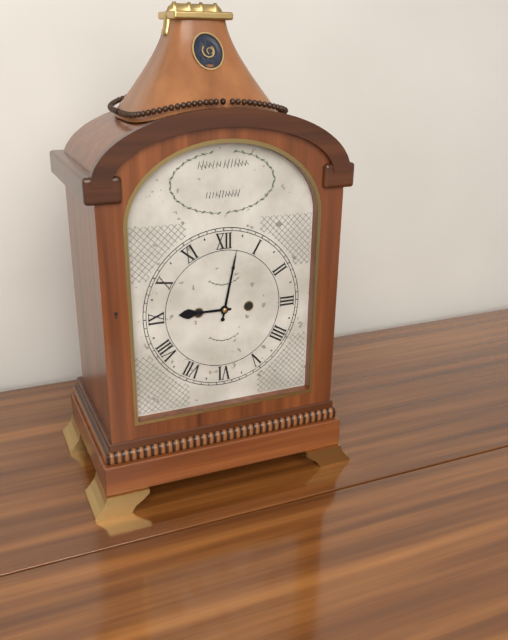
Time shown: 9:02
